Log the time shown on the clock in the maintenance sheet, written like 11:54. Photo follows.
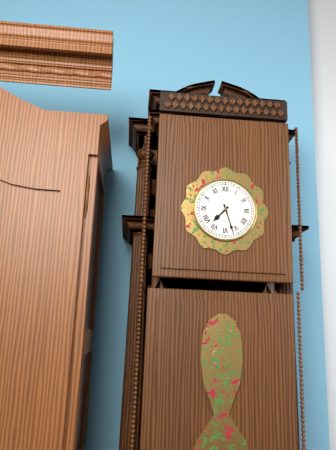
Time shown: 7:27
